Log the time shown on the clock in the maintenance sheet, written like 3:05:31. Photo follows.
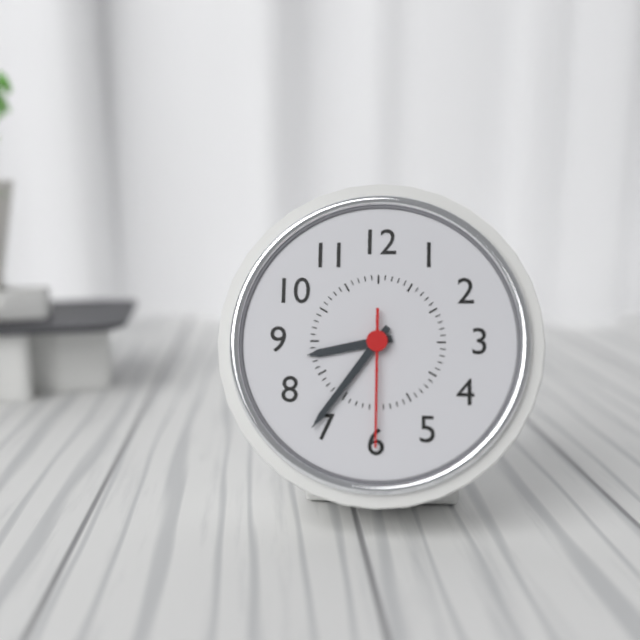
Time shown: 8:36:30
